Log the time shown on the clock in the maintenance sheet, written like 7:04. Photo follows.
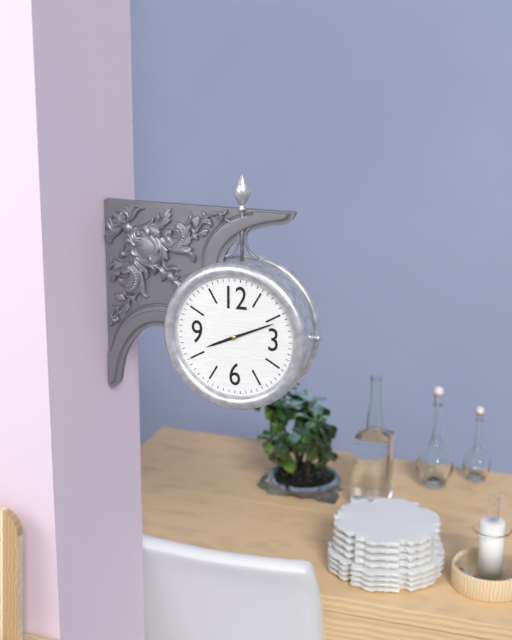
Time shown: 8:11
